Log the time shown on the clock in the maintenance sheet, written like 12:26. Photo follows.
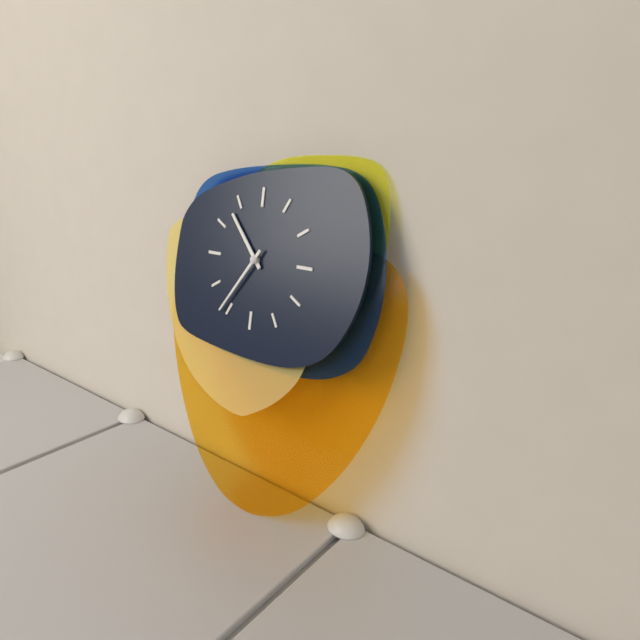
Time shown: 10:36
